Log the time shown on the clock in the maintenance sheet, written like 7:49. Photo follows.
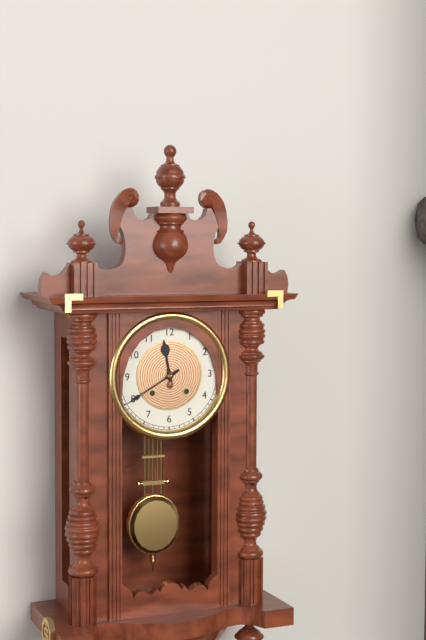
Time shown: 11:40
